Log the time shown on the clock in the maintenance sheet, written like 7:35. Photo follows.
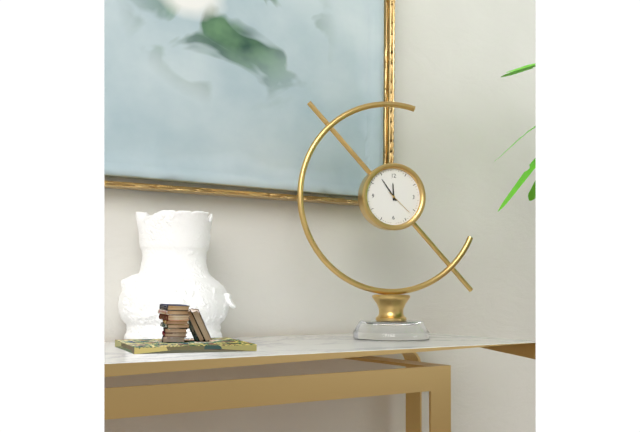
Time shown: 11:54
